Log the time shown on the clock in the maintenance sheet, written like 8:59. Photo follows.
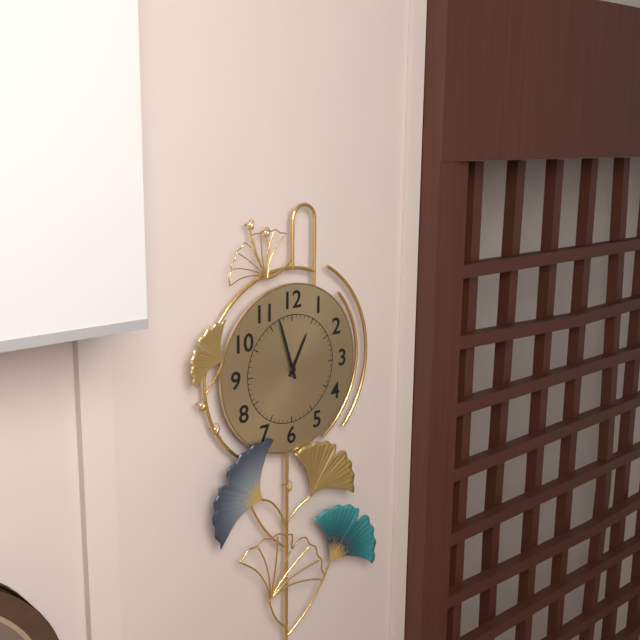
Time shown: 12:57
